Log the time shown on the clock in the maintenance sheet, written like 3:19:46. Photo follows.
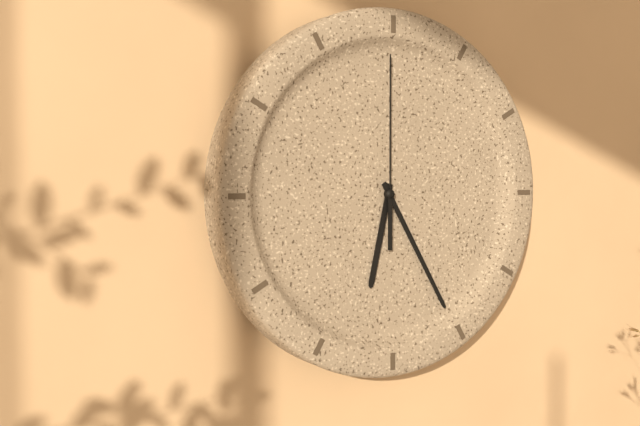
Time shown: 6:25:00
